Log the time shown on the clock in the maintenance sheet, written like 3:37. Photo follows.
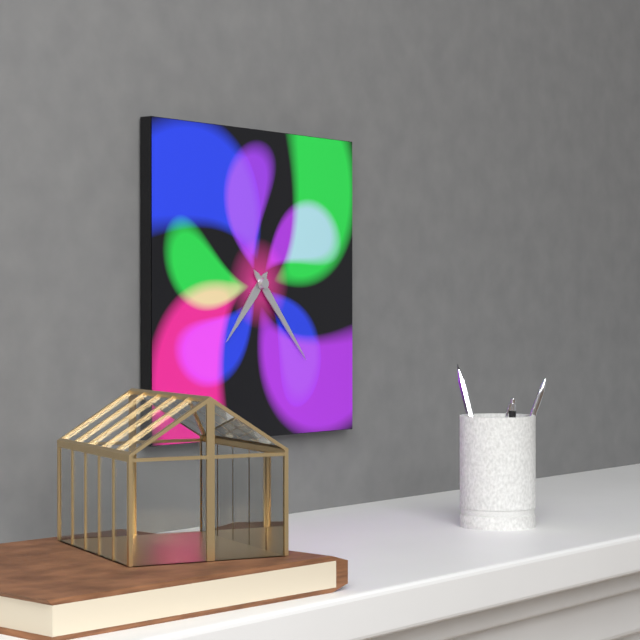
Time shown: 7:23
